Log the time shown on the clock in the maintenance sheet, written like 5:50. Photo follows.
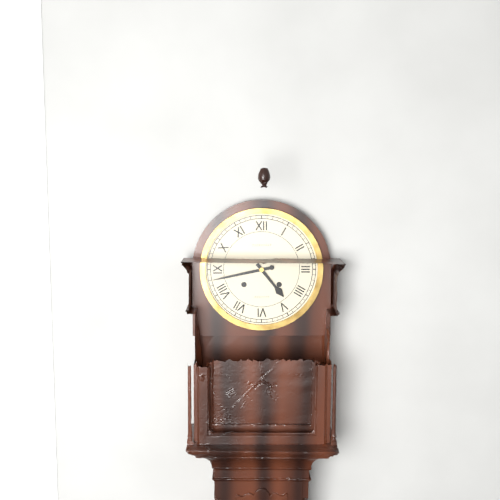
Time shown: 4:43
